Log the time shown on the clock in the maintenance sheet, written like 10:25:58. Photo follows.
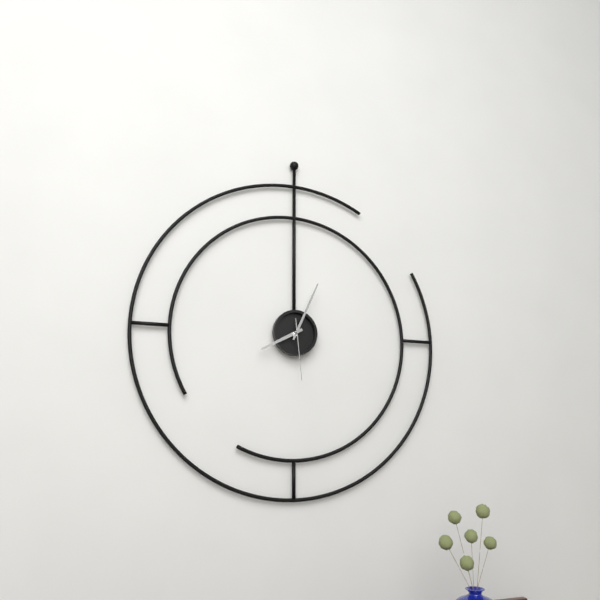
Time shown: 8:04:29
